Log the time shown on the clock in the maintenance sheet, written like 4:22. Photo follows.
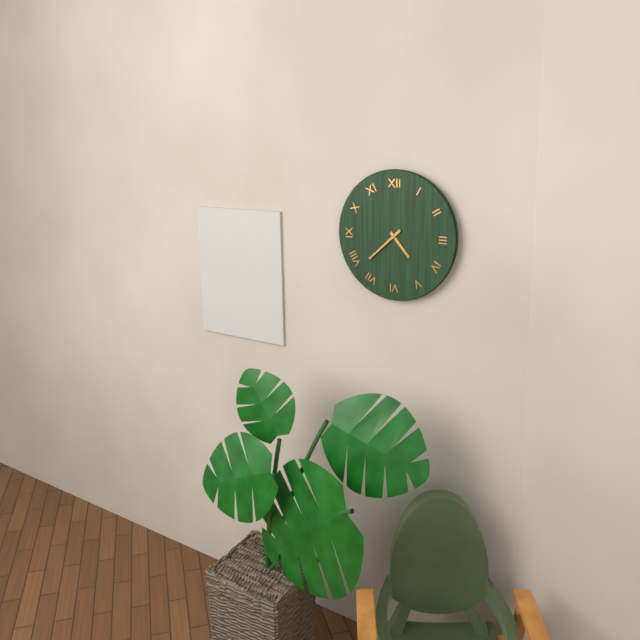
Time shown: 4:38
